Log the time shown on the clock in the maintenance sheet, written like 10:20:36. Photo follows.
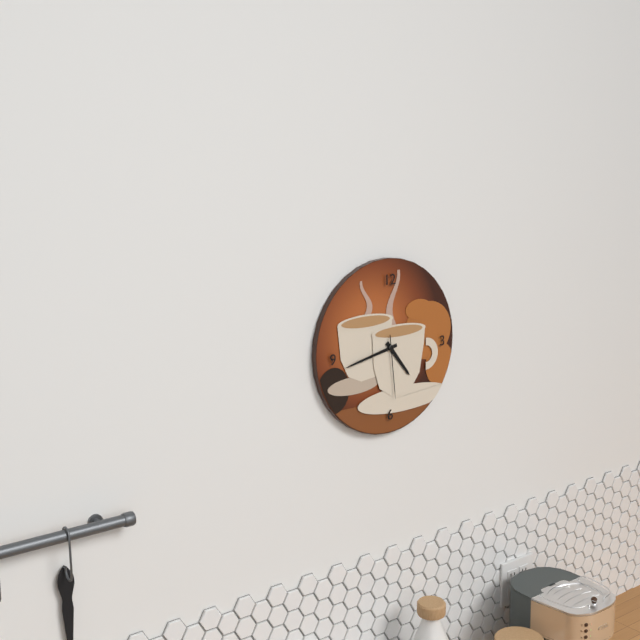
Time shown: 4:43:29
